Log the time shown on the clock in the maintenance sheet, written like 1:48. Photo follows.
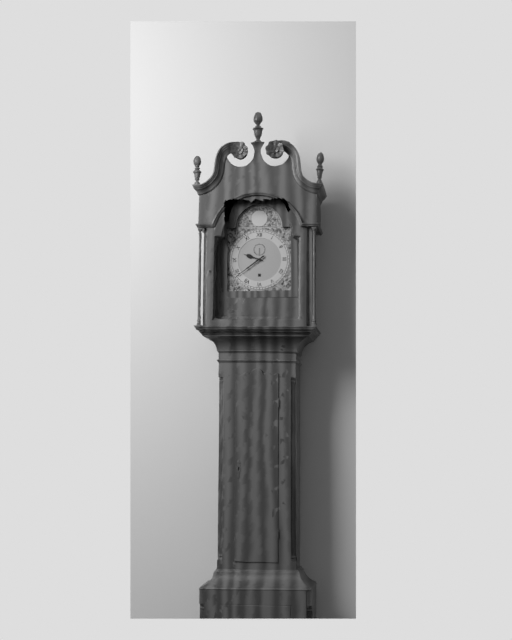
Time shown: 9:39
